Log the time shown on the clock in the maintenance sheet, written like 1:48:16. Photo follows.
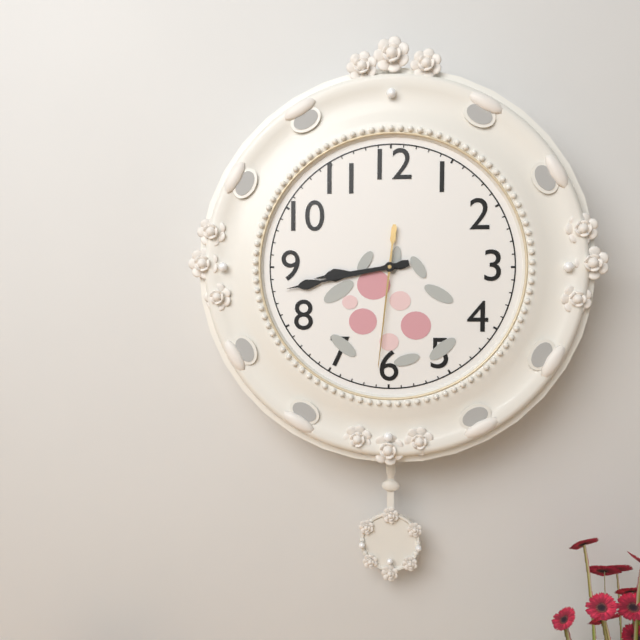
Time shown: 8:43:31
